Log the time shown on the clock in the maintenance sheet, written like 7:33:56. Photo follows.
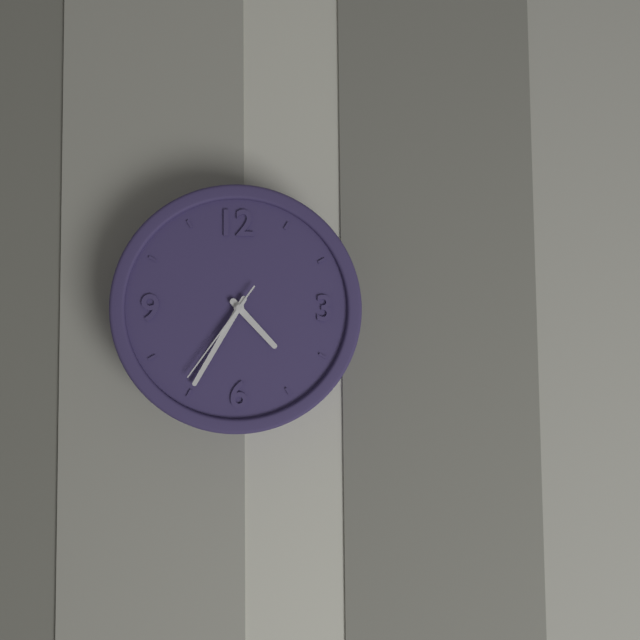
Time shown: 4:35:36
